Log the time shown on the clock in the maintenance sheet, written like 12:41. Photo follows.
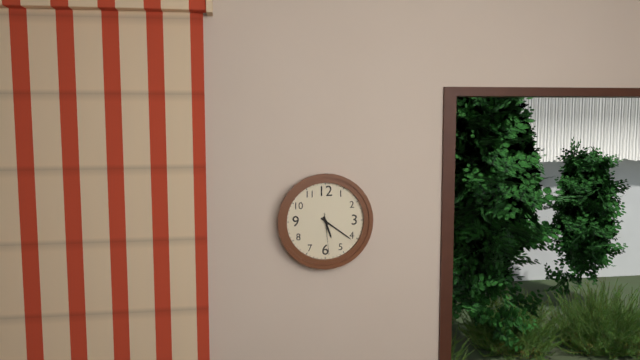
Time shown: 5:21
